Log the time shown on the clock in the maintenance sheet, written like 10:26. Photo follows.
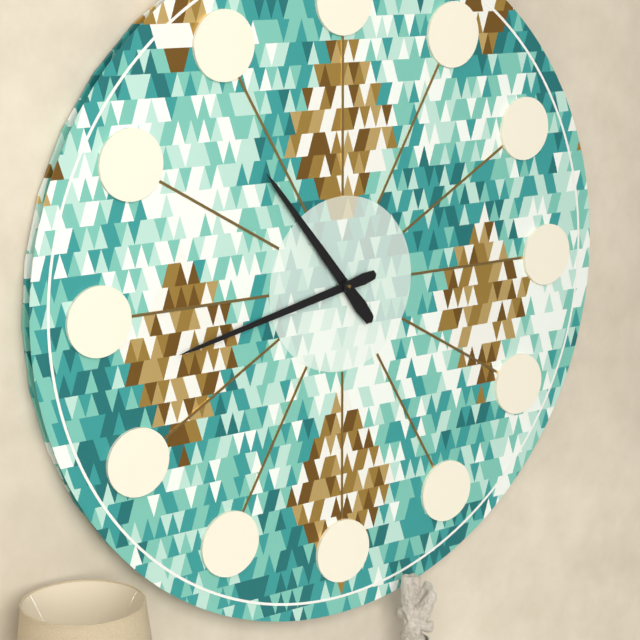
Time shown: 10:43
